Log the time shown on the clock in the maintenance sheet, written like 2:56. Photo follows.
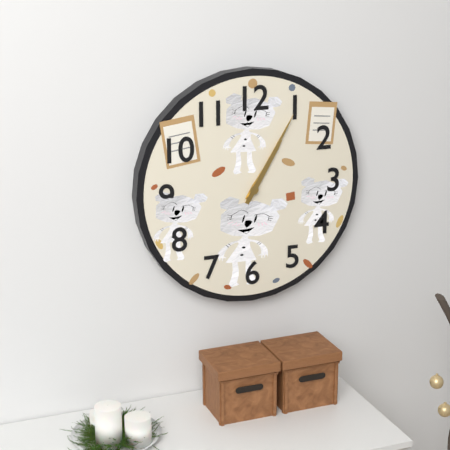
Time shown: 1:05
